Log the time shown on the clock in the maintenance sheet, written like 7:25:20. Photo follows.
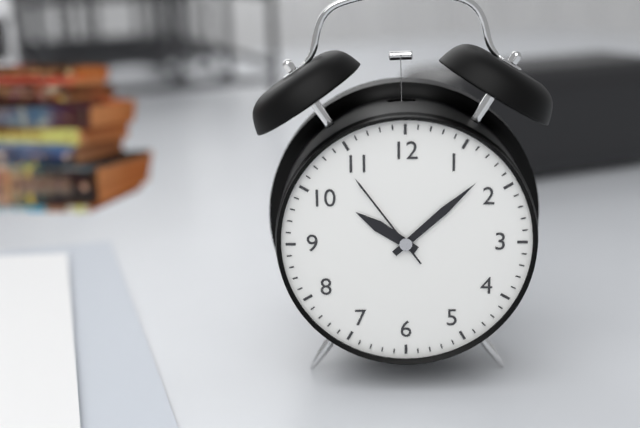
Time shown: 10:08:54
